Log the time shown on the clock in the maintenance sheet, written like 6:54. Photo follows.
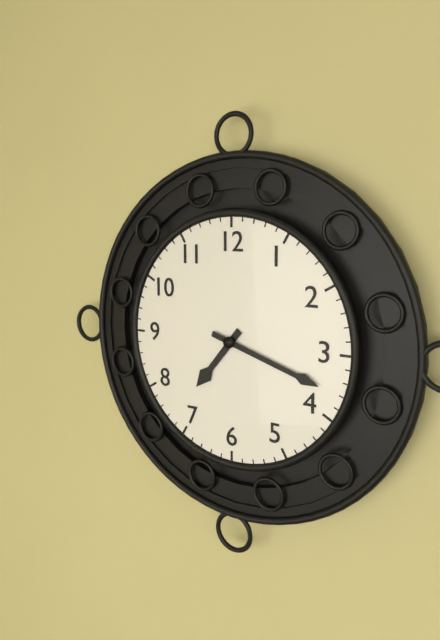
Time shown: 7:18
